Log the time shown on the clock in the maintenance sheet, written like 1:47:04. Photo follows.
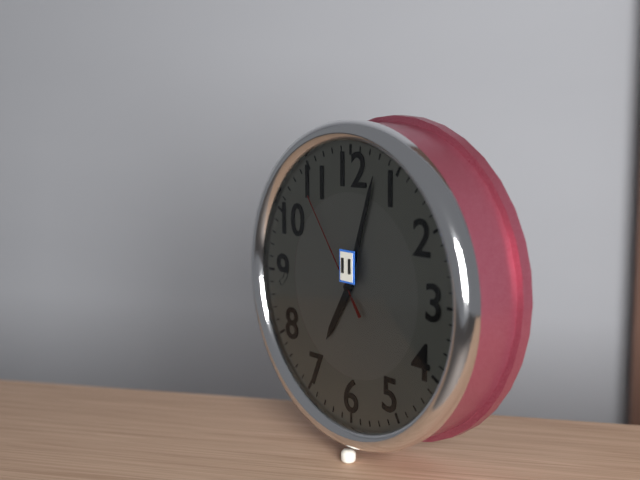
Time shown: 7:03:54
